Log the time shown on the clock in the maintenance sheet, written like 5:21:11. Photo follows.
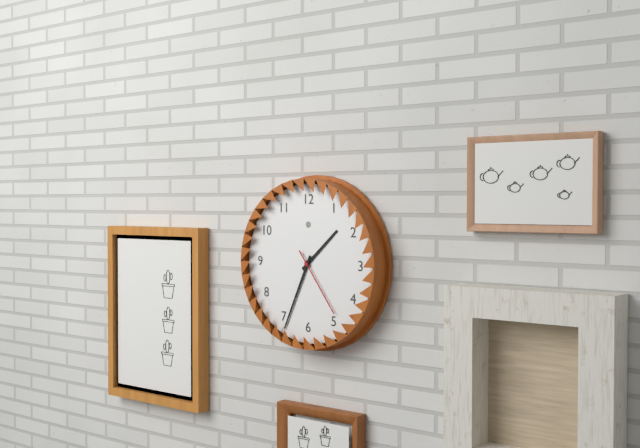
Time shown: 1:34:24
